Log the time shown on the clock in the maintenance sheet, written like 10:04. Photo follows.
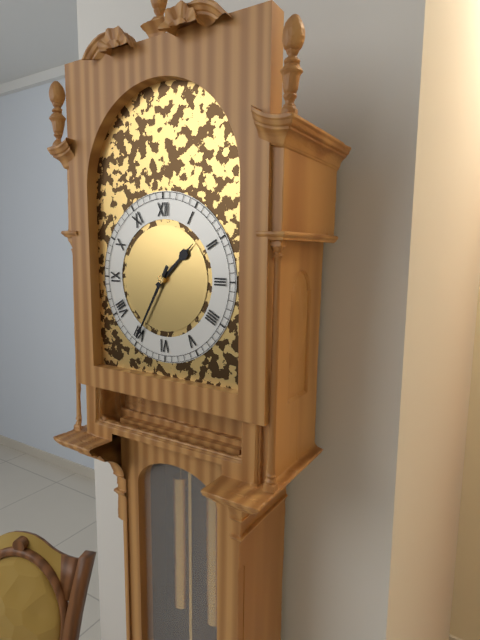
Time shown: 1:35
